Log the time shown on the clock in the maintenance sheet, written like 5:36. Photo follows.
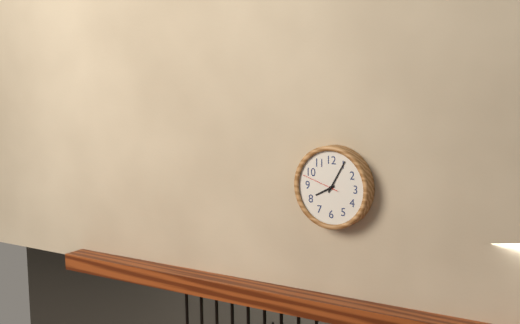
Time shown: 8:05
